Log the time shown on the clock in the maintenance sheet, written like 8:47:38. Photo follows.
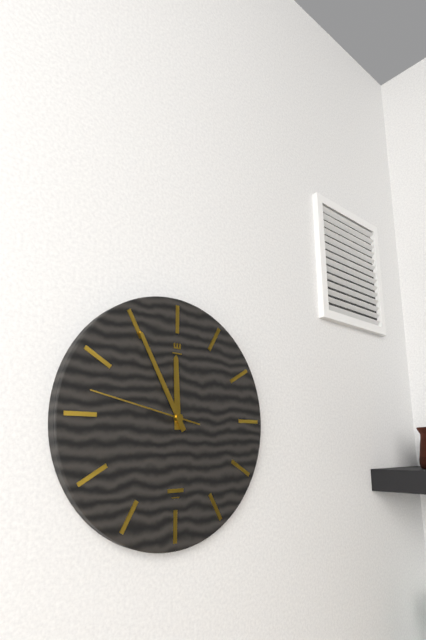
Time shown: 11:55:47
